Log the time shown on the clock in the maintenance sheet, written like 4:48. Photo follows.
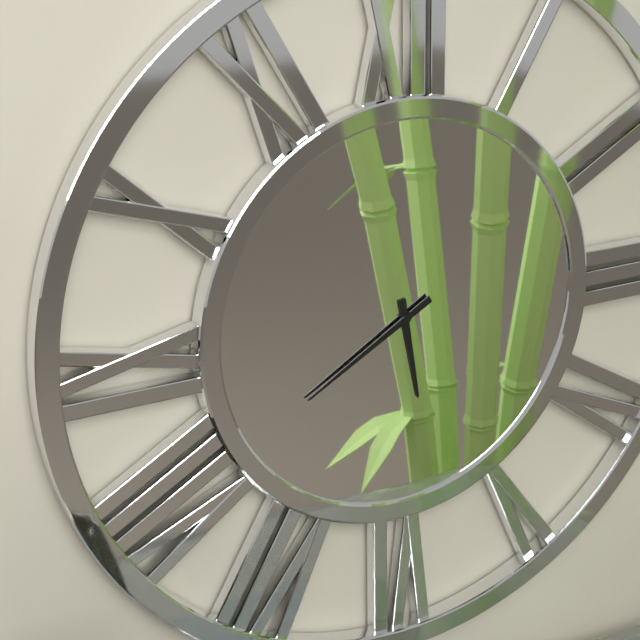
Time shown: 5:40
